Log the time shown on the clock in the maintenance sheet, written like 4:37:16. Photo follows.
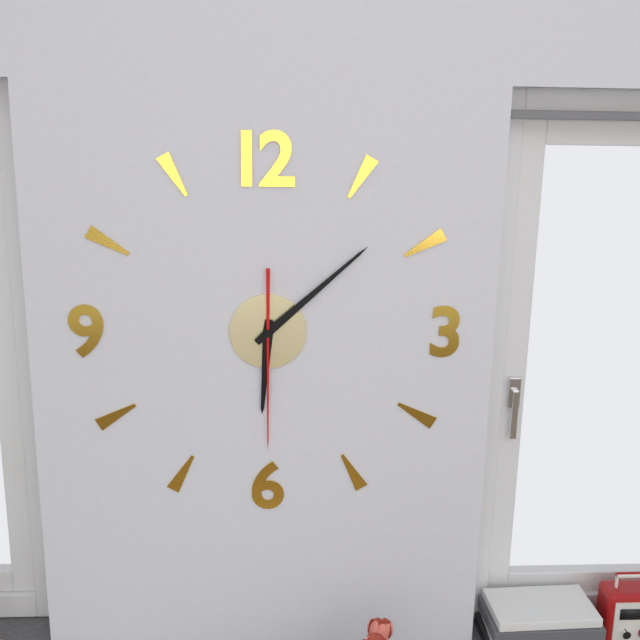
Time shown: 6:08:30
